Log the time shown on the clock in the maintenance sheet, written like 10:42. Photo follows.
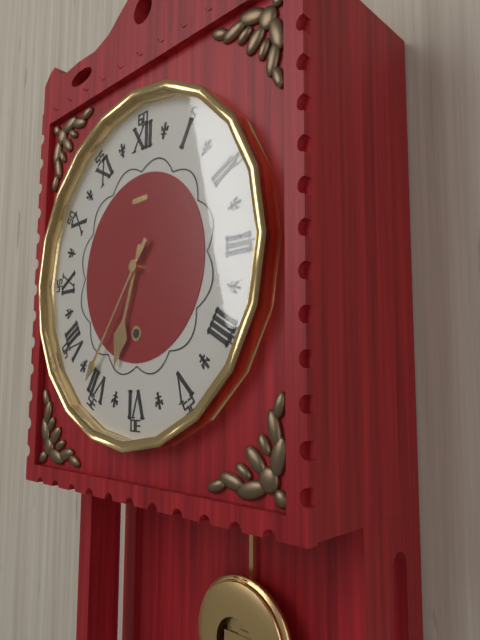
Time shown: 6:36
